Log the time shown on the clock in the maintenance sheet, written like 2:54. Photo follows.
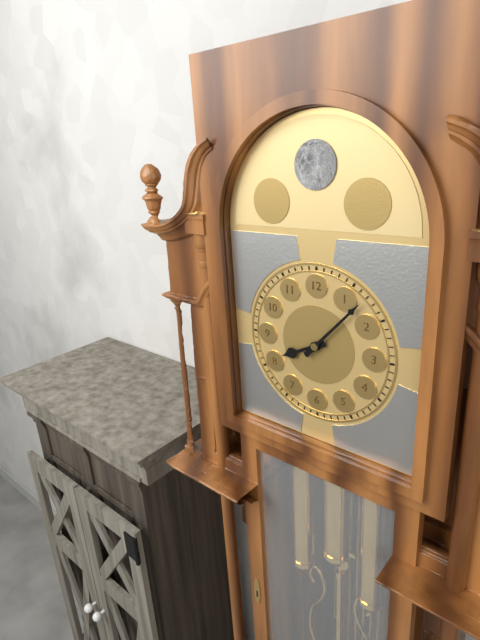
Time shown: 8:07
